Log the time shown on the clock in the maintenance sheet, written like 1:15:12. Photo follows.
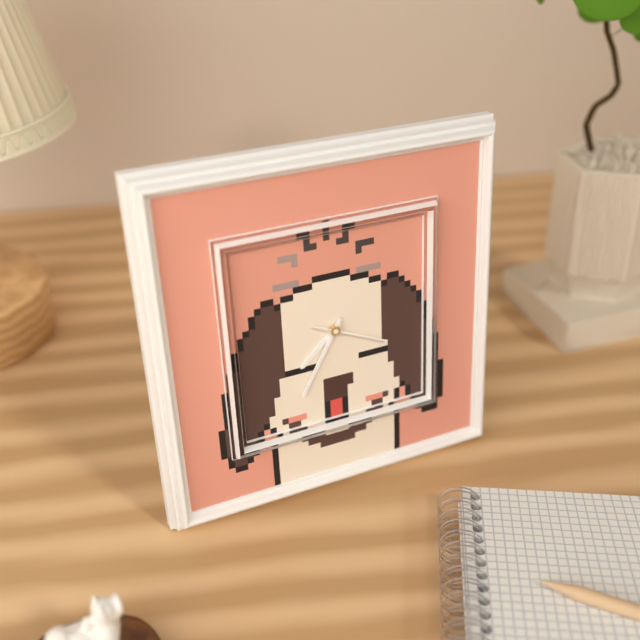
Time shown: 7:35:19
